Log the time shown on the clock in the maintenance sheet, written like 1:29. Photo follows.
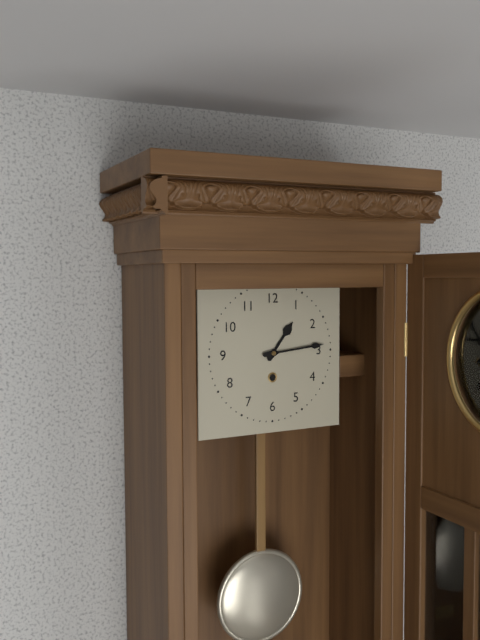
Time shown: 1:14
